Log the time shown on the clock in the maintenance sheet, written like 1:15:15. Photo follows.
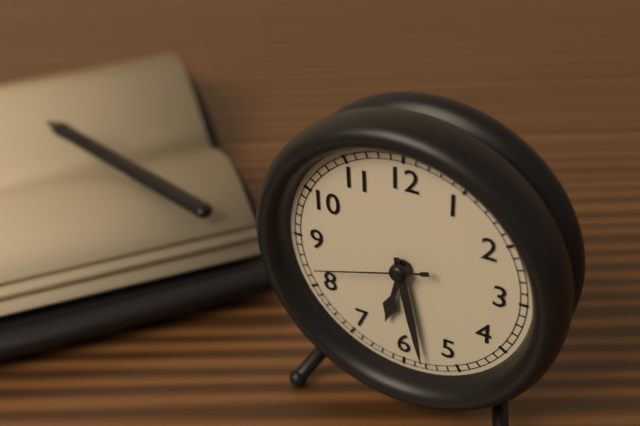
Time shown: 6:28:42
